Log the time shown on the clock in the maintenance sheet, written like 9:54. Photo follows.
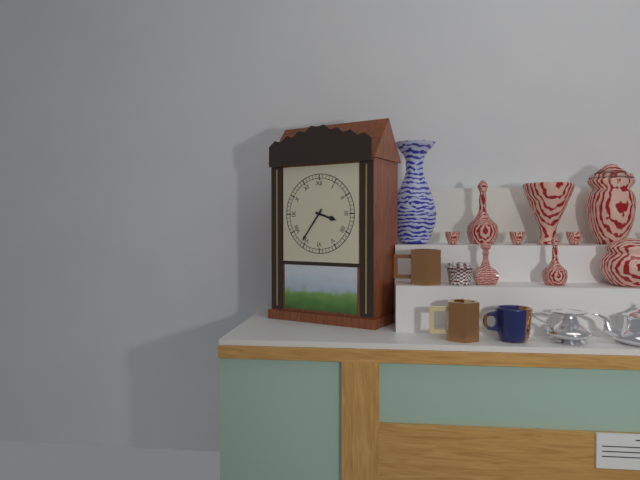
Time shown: 3:36
